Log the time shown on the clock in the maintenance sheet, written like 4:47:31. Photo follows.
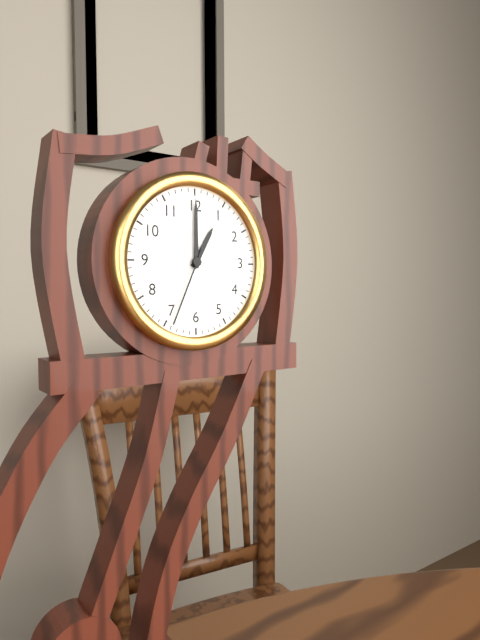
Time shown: 1:00:34
